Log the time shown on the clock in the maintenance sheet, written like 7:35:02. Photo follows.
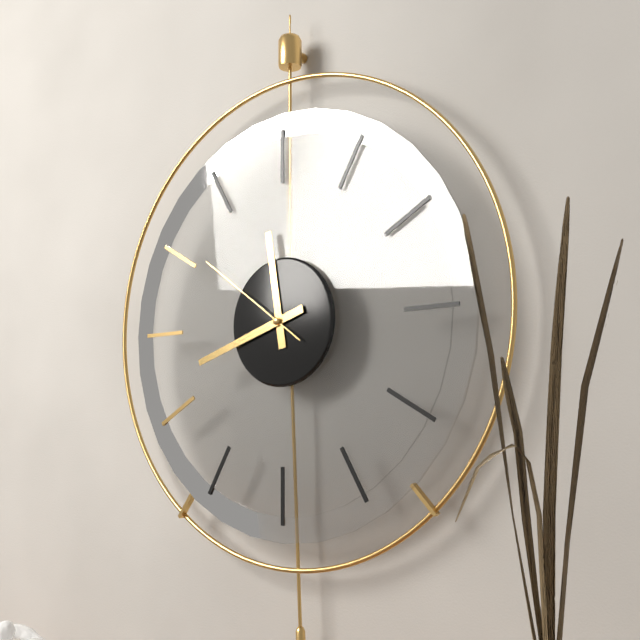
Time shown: 11:42:51
